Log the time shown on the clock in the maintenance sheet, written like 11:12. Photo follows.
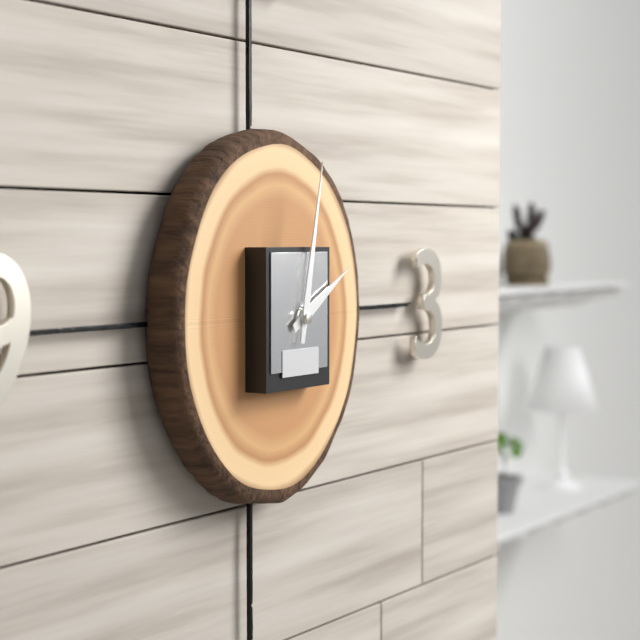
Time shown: 2:02
